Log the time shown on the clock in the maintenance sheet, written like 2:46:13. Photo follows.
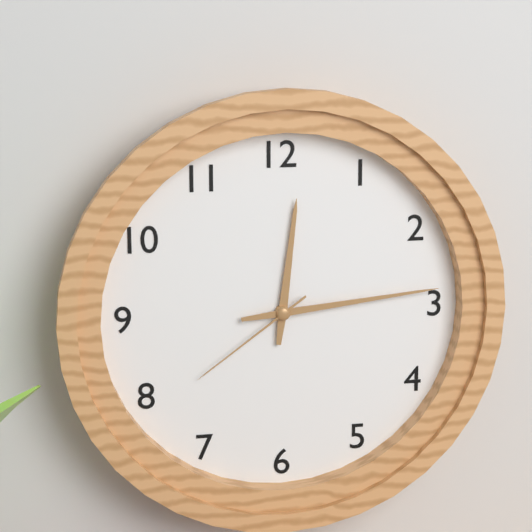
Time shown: 12:14:39
